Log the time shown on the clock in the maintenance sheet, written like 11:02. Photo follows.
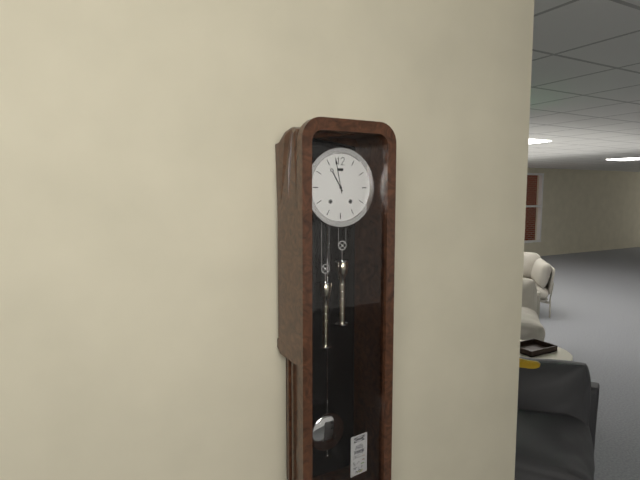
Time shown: 10:58
